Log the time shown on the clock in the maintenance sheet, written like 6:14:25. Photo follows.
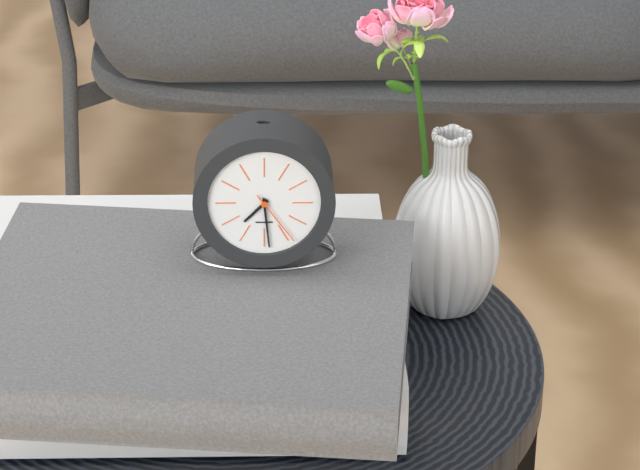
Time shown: 7:29:24
